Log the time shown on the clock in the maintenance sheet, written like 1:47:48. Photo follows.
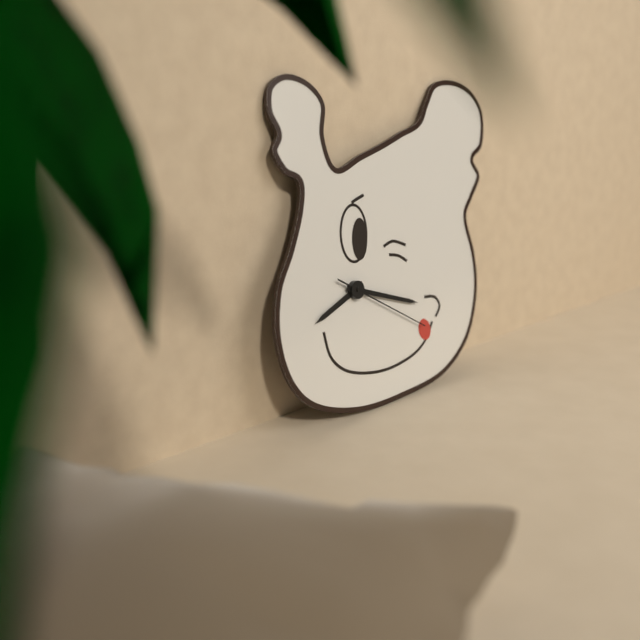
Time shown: 8:18:20
